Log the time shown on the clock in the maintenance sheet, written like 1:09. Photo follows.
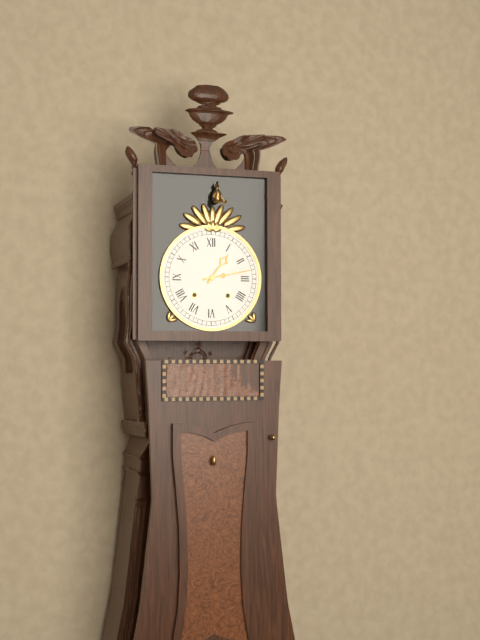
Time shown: 1:13
